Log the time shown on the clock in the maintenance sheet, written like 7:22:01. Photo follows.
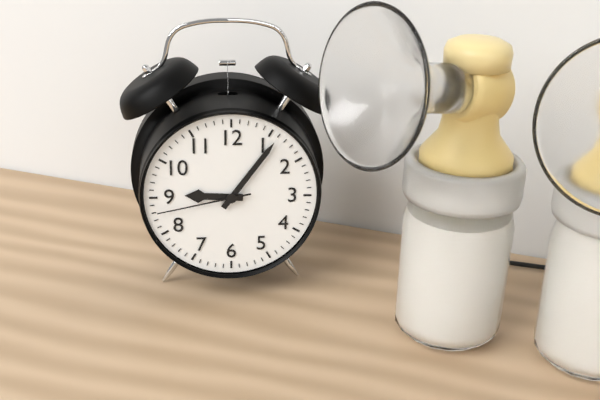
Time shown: 9:06:43
